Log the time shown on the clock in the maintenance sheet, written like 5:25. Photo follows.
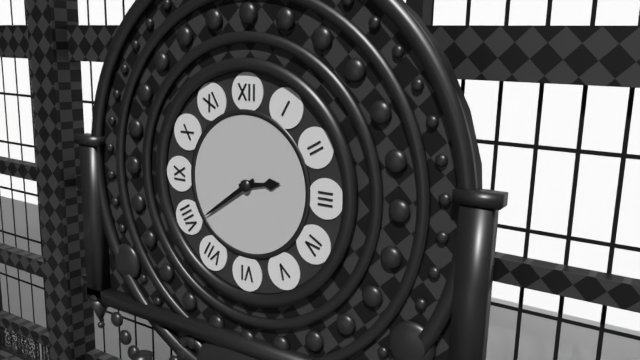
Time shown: 2:39
